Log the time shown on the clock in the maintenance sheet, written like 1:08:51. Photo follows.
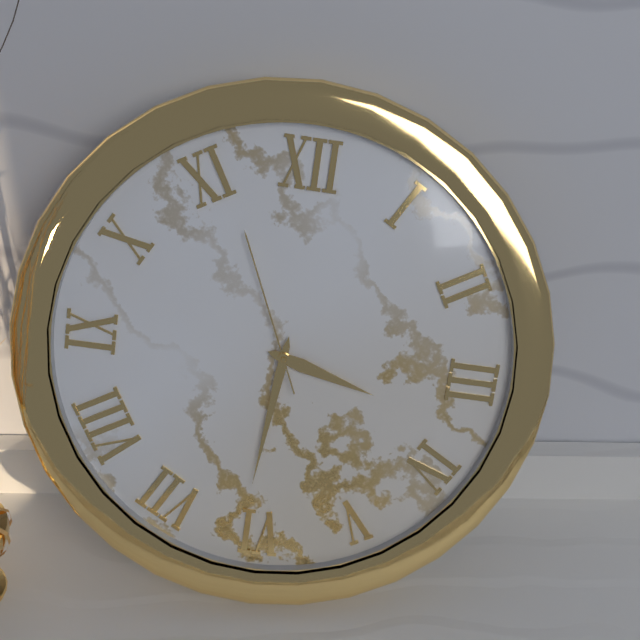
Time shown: 3:31:56
